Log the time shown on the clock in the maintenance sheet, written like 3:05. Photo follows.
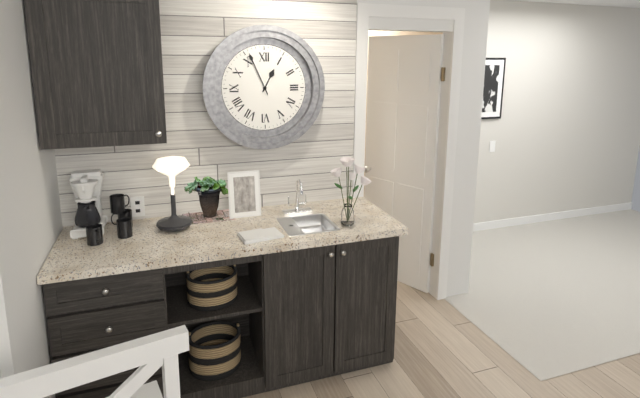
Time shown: 12:56
